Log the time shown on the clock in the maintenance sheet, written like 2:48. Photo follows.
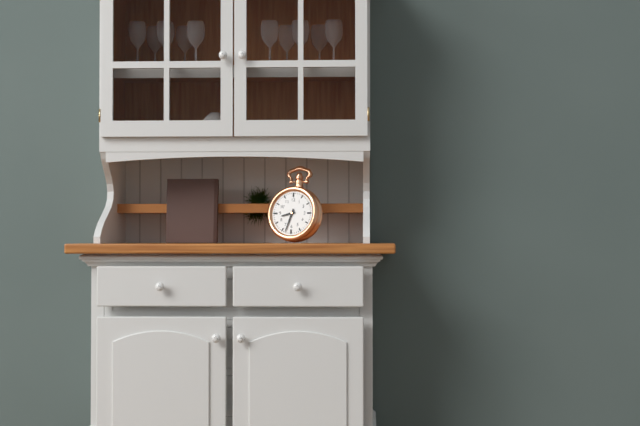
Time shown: 8:33
